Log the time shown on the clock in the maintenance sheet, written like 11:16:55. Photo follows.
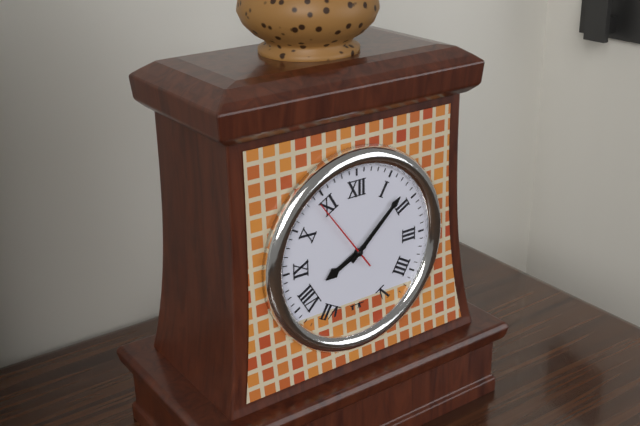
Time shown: 8:08:54
